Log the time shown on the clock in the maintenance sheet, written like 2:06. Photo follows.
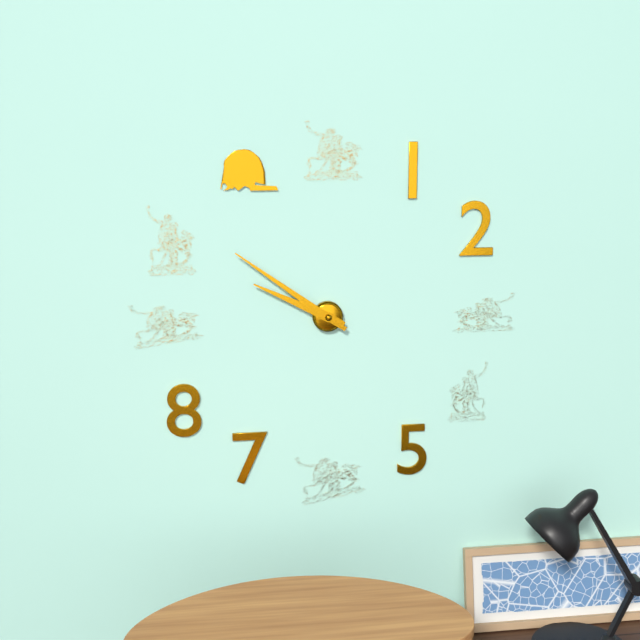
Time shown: 9:51
